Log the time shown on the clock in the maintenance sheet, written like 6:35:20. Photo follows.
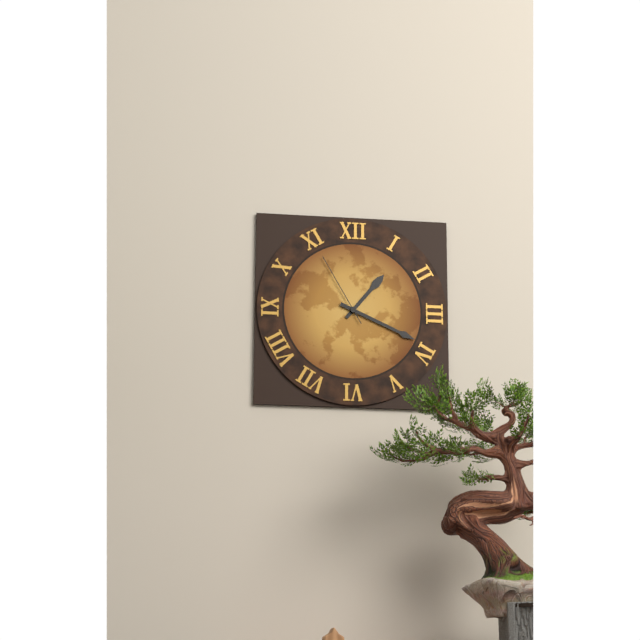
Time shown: 1:19:55
